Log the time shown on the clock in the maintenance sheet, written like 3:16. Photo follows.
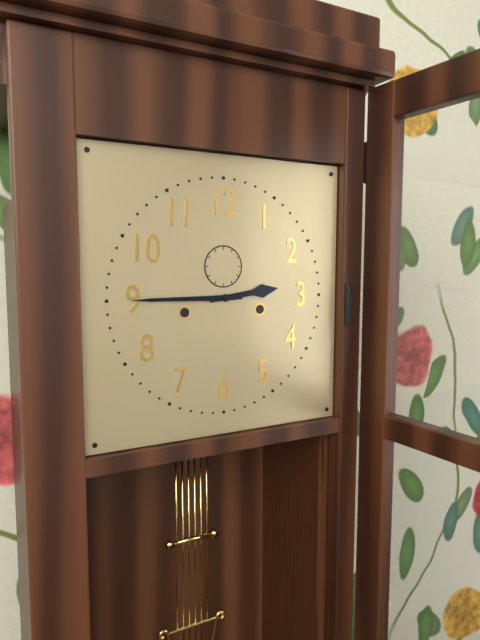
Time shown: 2:45
